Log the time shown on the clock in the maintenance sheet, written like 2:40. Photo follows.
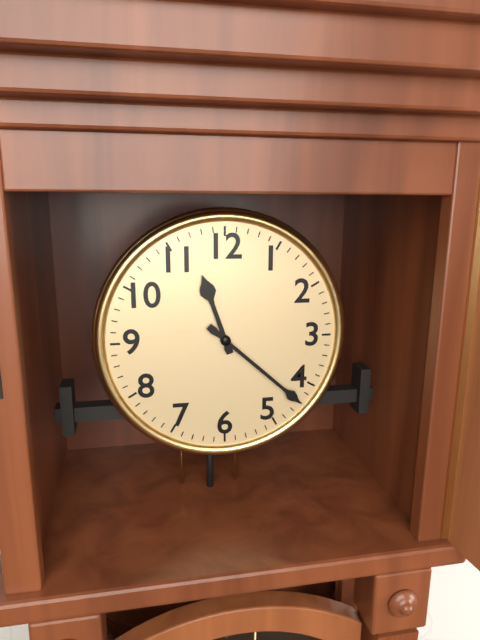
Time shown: 11:22
